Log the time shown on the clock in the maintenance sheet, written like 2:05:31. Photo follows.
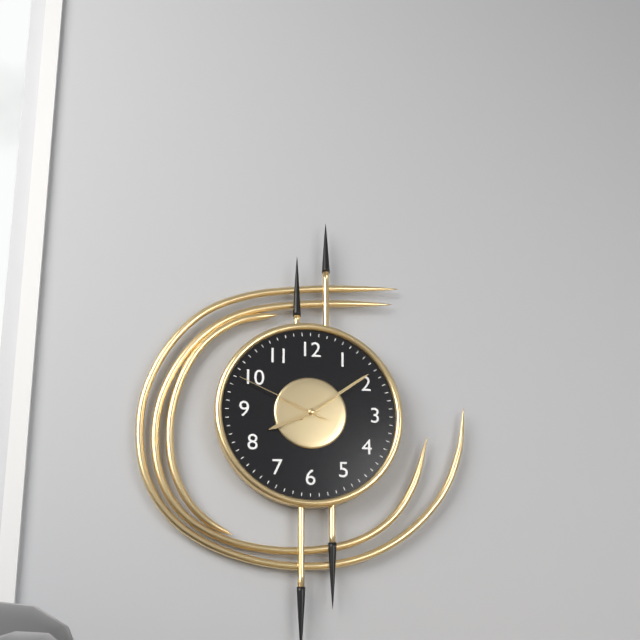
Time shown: 8:09:49
